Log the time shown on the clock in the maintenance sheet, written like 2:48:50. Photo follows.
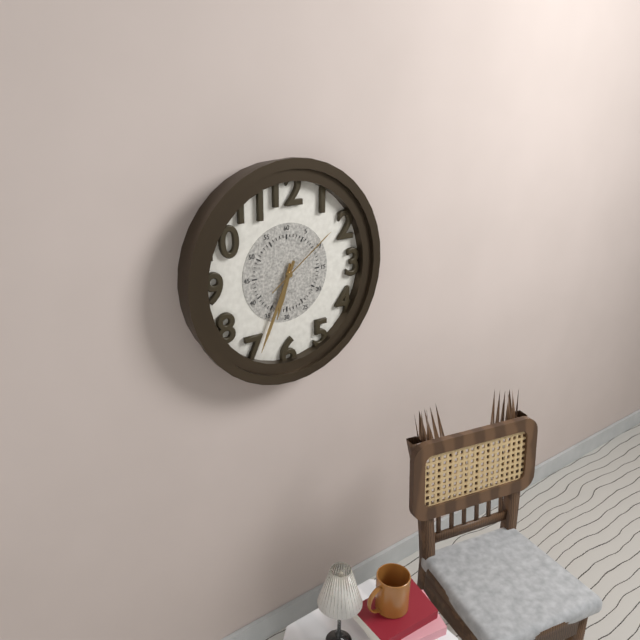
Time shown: 6:34:09
